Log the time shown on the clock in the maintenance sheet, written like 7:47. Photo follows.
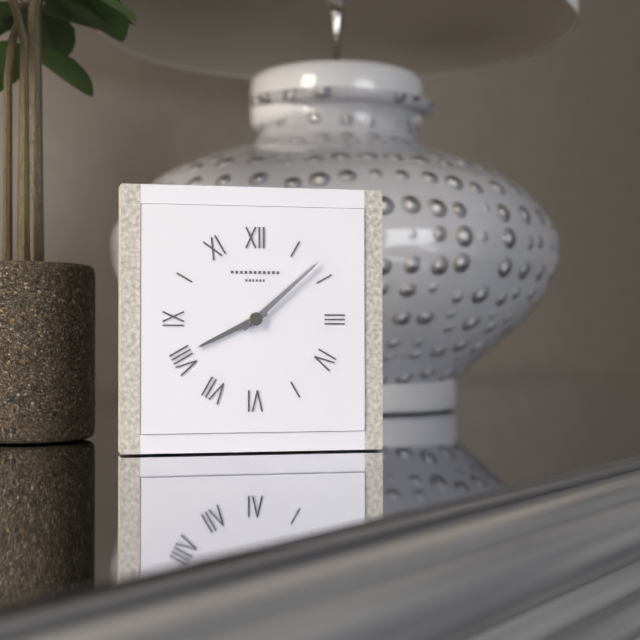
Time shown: 8:08
